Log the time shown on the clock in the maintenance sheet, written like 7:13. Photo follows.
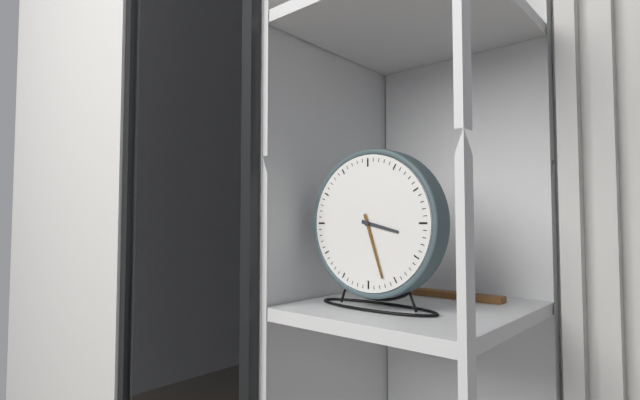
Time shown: 3:27
